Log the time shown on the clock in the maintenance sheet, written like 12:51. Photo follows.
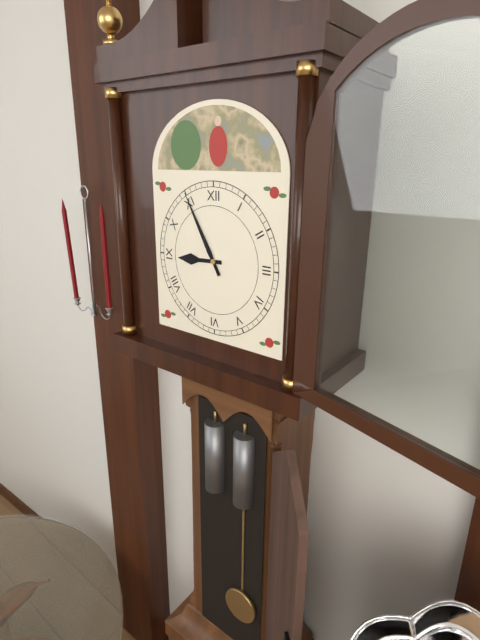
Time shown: 8:55
